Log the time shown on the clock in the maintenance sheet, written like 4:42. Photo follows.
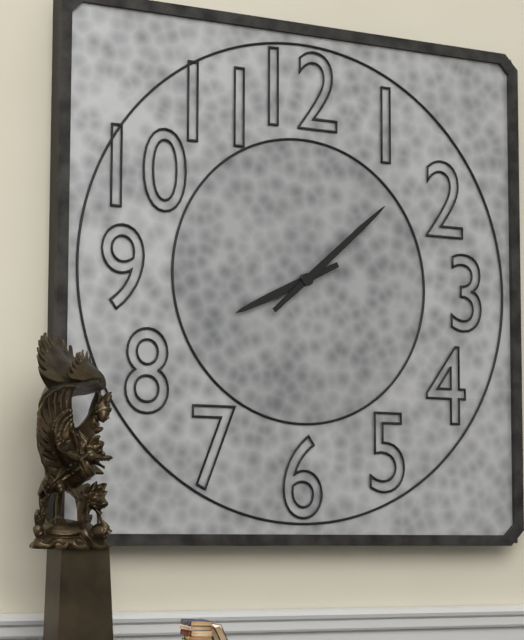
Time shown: 8:08
